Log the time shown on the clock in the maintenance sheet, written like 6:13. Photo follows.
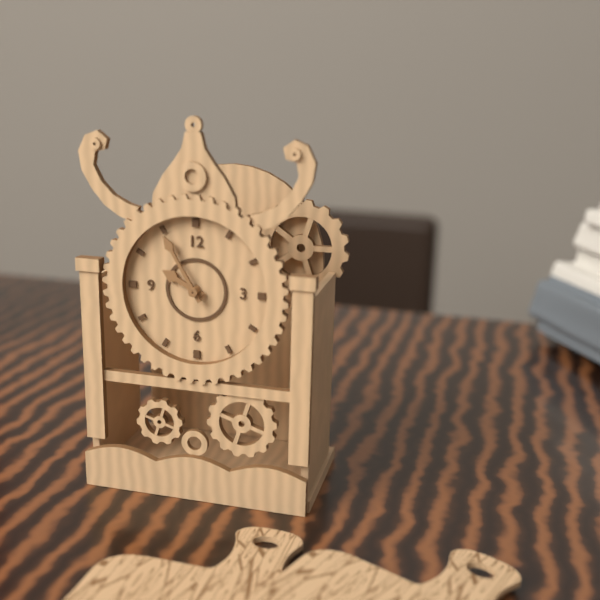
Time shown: 9:55
